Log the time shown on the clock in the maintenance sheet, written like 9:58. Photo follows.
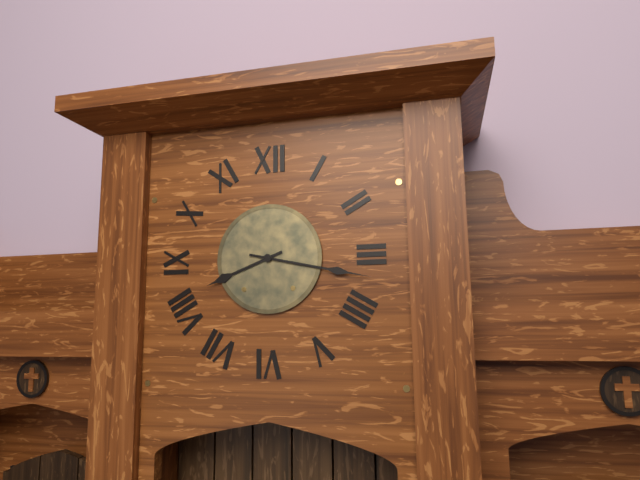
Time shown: 8:17
